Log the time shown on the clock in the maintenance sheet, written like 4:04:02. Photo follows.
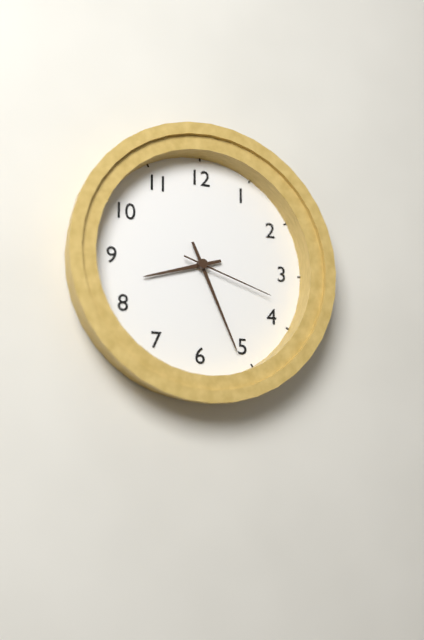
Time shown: 8:26:18
